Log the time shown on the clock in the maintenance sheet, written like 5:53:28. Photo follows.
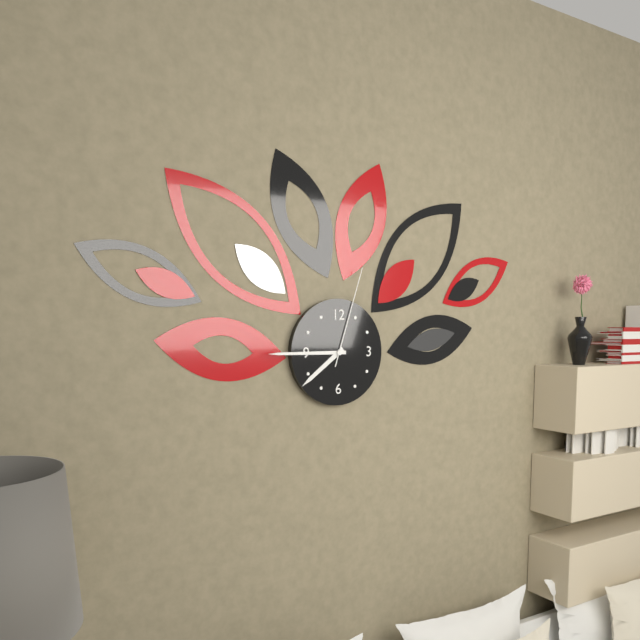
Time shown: 7:45:03
